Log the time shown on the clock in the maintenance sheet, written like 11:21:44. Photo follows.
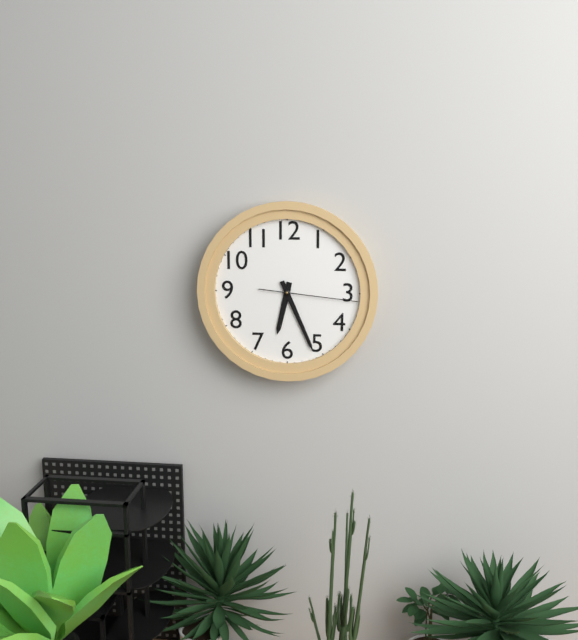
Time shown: 6:26:16
